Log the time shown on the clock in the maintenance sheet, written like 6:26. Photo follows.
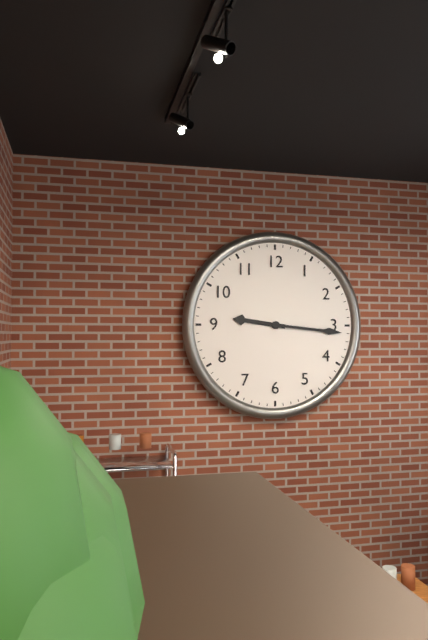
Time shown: 9:16
